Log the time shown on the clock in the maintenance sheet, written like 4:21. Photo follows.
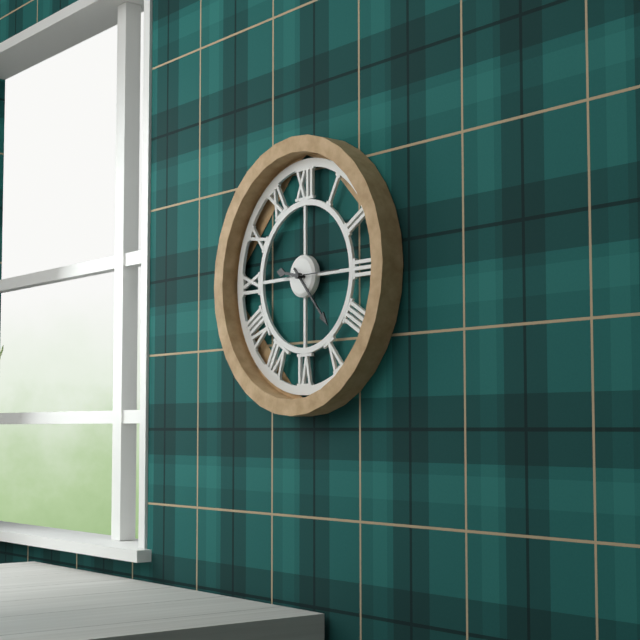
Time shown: 9:23
